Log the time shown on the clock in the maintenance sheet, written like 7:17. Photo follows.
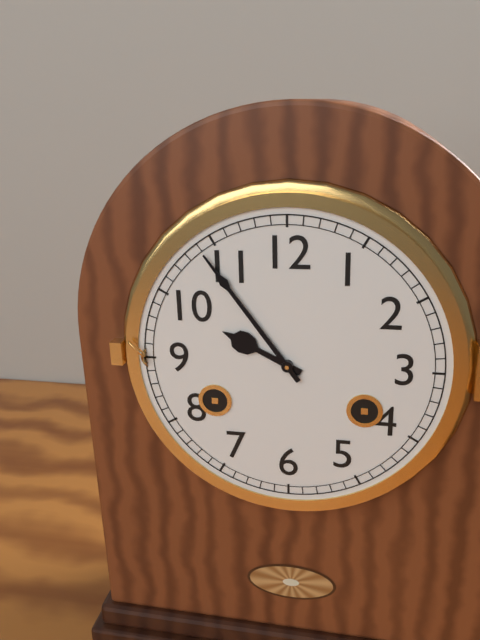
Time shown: 9:54
